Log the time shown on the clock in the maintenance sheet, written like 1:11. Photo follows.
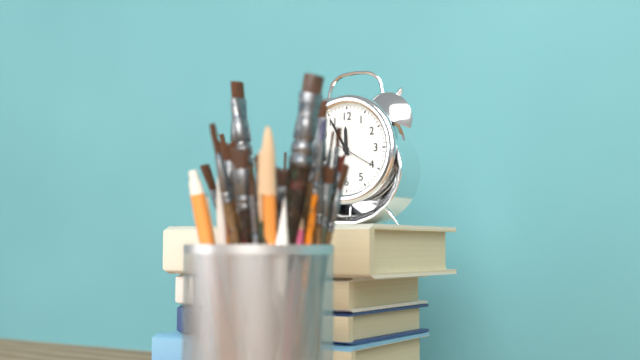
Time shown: 11:55
